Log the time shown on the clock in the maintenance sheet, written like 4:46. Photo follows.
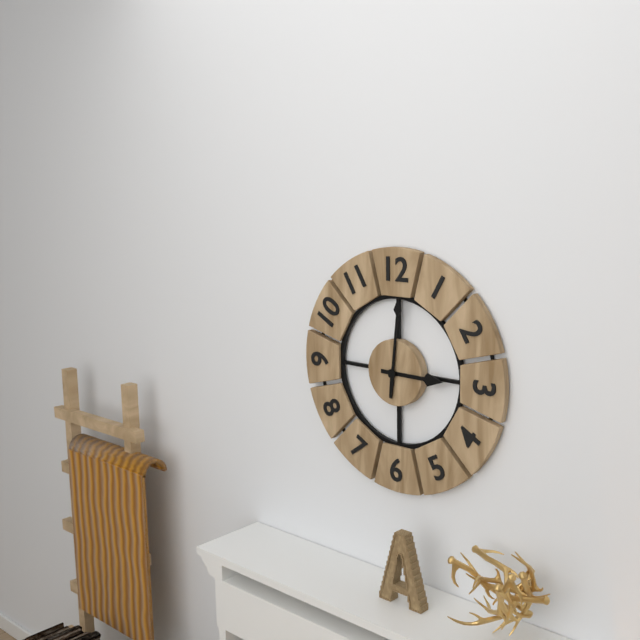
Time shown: 3:01
